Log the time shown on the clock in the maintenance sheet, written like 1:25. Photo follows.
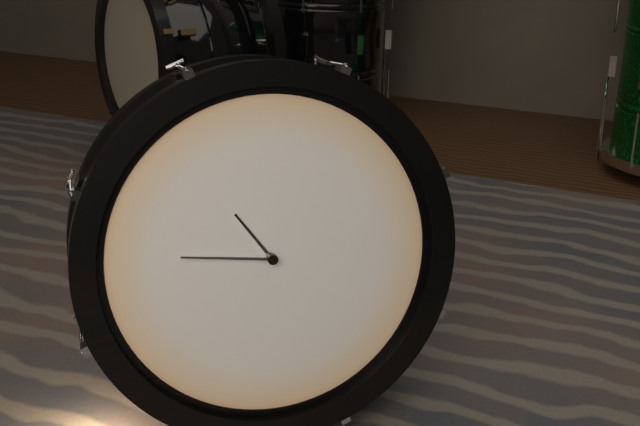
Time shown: 10:46
